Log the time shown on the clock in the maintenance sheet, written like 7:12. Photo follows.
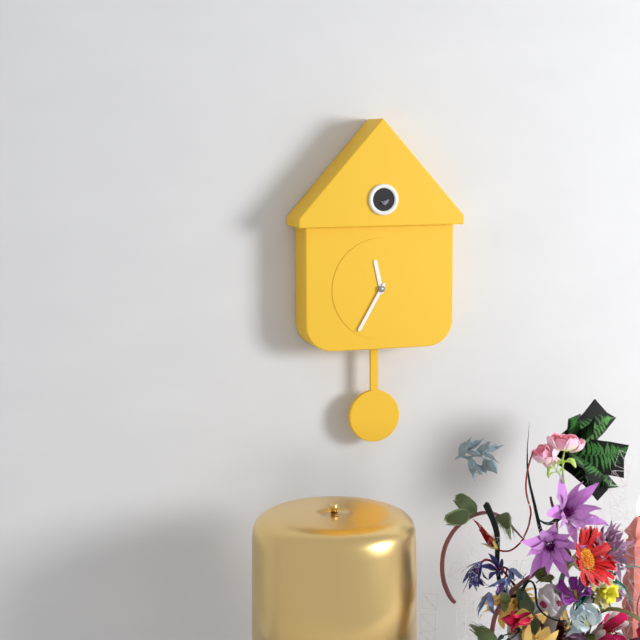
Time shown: 11:35
